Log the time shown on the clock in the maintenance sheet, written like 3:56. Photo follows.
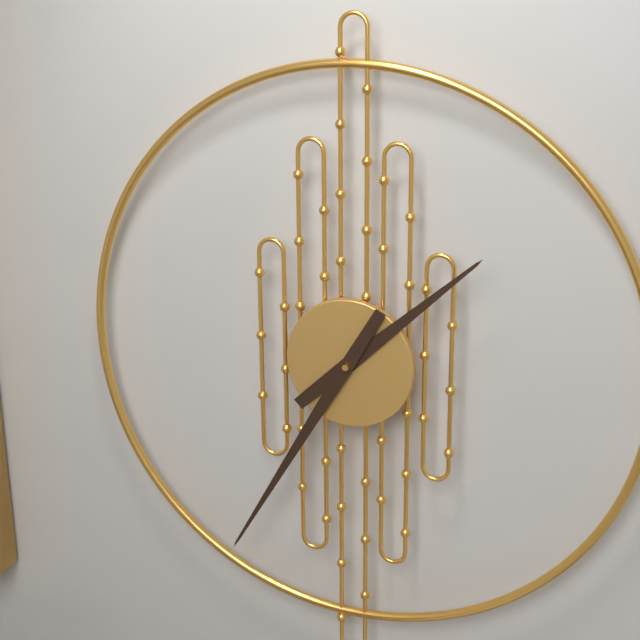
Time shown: 1:35
